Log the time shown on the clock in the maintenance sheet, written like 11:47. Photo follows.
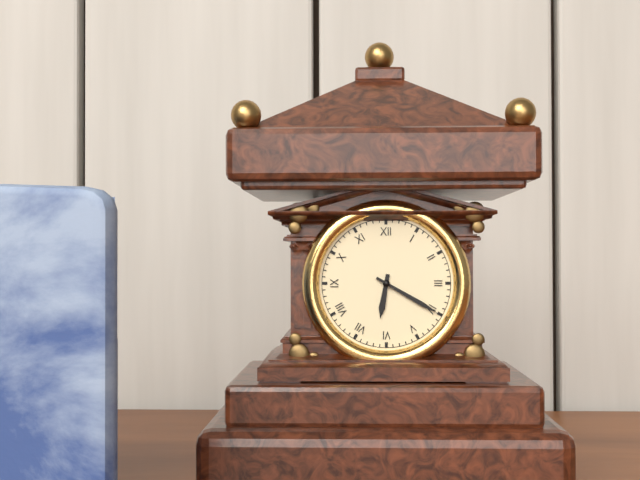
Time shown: 6:20
